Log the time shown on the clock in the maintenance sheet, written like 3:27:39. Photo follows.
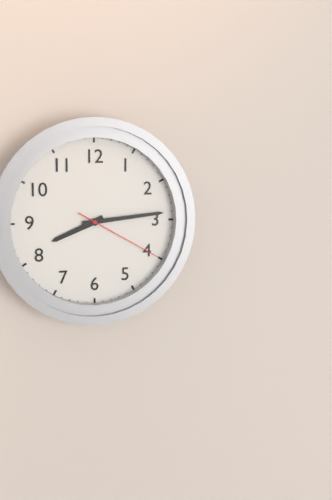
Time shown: 8:14:20
